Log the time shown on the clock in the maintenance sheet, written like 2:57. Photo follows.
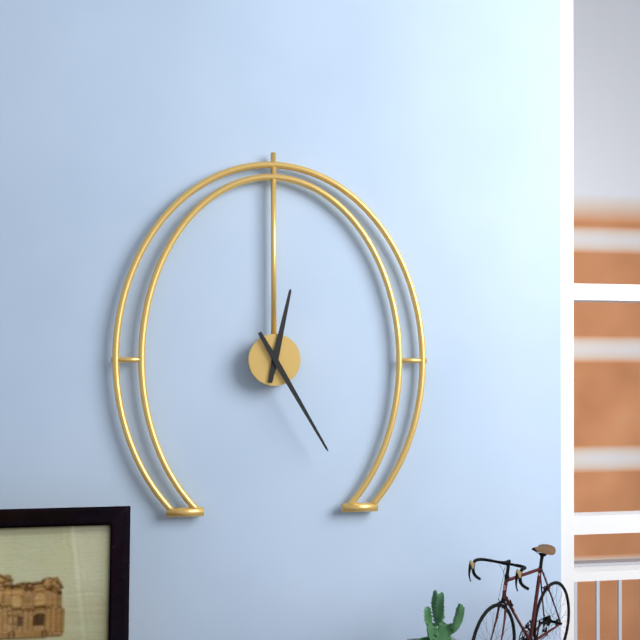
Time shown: 12:25
